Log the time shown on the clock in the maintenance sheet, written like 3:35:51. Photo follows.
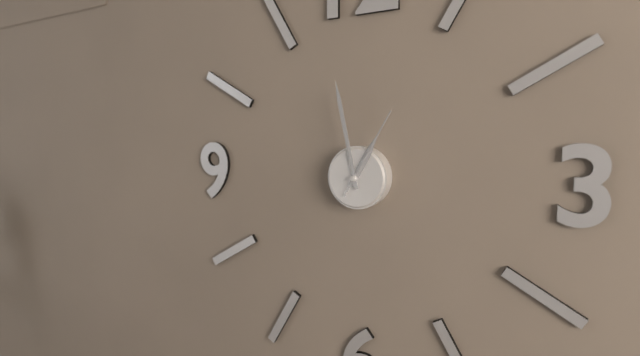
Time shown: 12:58:05
